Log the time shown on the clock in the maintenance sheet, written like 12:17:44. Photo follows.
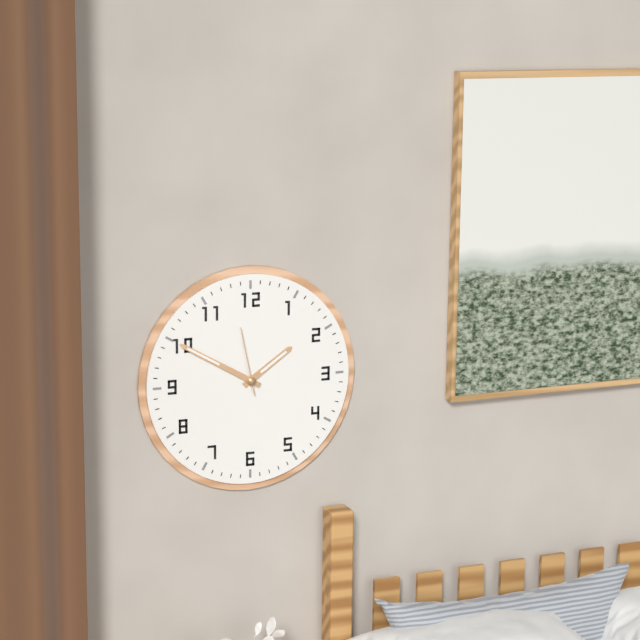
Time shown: 1:50:58
